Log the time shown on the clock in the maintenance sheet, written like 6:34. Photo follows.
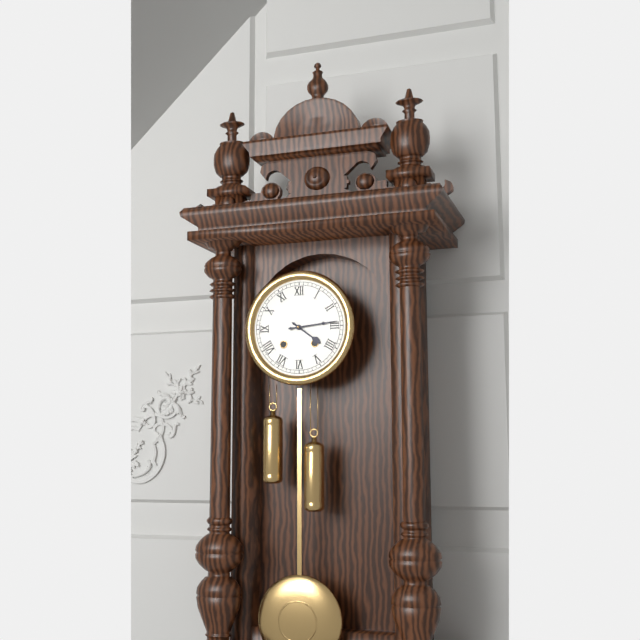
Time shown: 4:14
